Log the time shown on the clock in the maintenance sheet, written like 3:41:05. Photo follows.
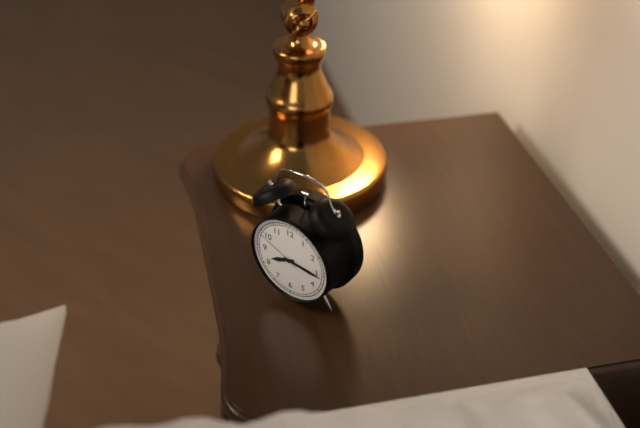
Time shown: 8:16:49
